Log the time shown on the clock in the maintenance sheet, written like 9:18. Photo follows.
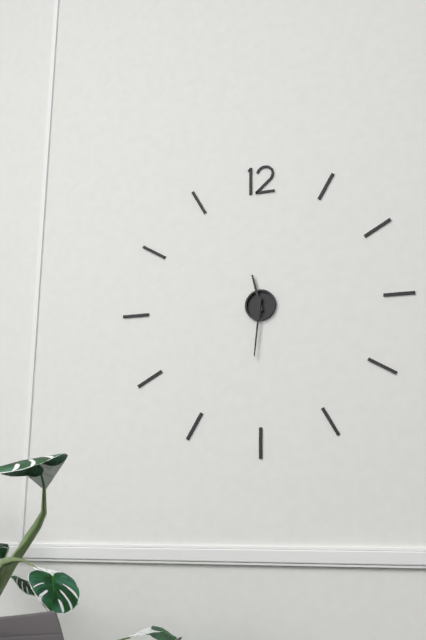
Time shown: 11:31
